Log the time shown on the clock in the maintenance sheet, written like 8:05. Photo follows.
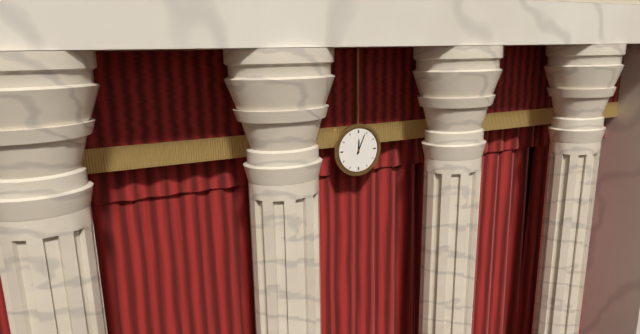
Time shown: 12:04
